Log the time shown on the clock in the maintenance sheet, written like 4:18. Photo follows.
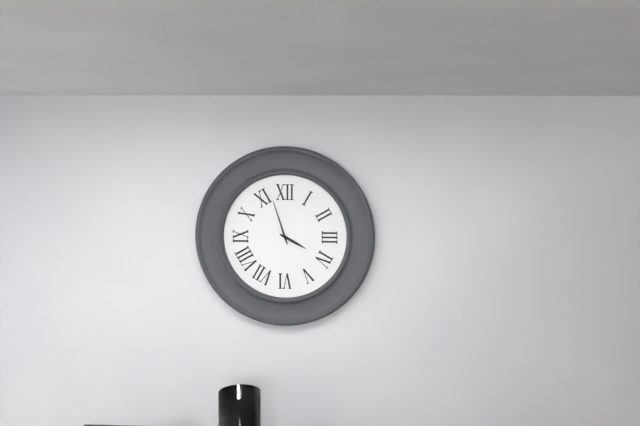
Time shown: 3:57
